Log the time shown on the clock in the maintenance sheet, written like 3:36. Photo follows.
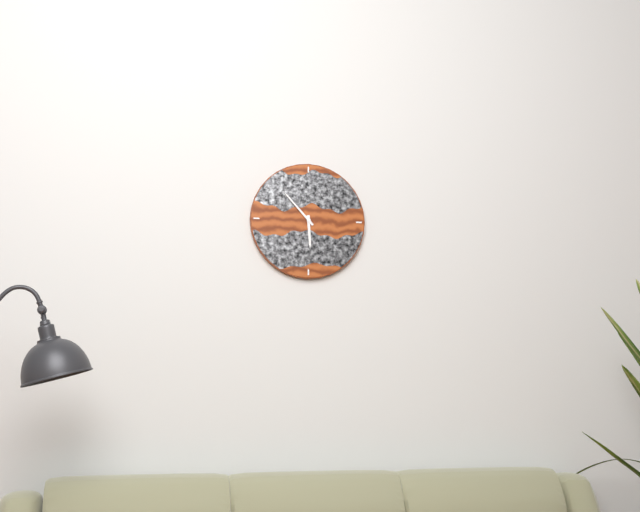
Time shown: 5:53
